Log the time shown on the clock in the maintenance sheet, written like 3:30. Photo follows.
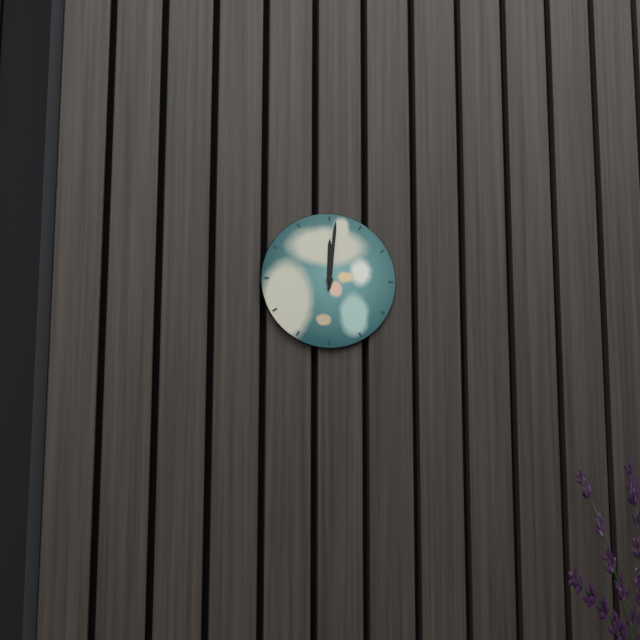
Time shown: 12:01
